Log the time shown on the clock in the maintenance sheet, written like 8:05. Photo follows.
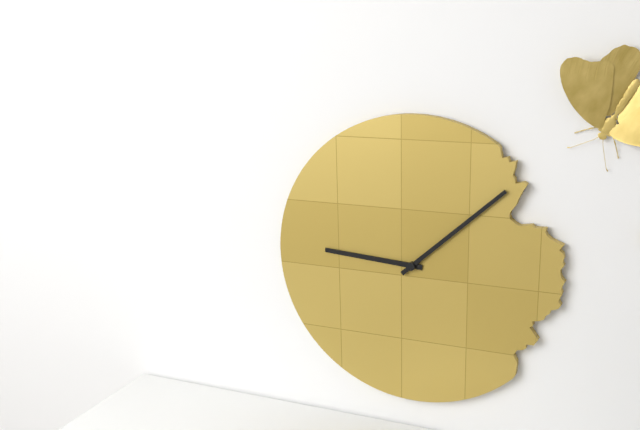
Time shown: 9:08
